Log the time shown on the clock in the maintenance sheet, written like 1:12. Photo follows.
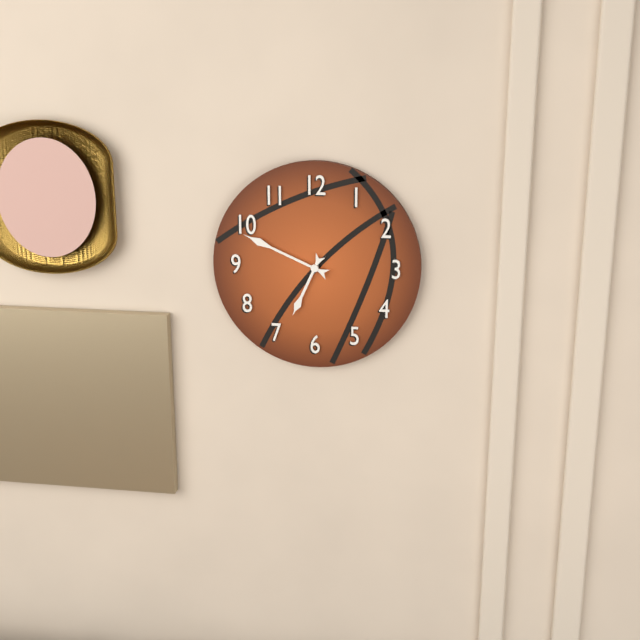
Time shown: 6:49
